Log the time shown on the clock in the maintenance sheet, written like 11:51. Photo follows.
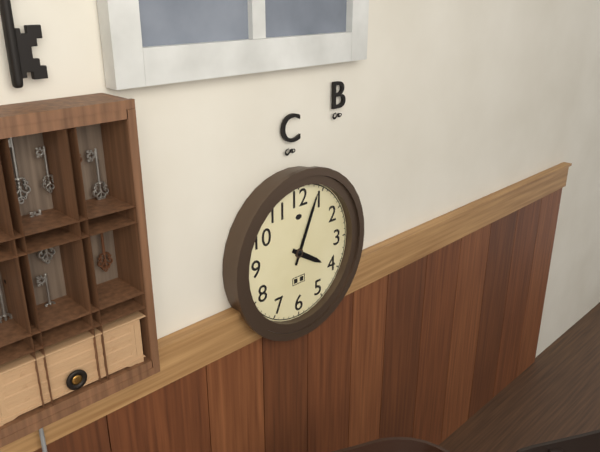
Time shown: 4:04
